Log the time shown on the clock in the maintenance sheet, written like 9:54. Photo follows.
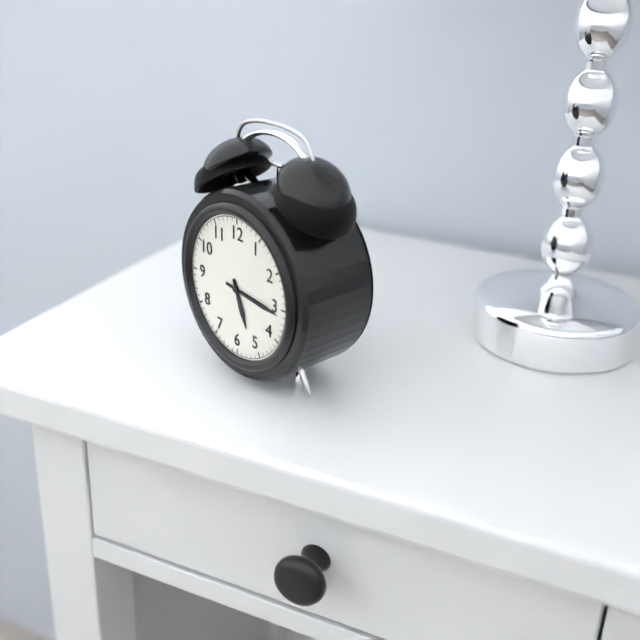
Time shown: 5:16
